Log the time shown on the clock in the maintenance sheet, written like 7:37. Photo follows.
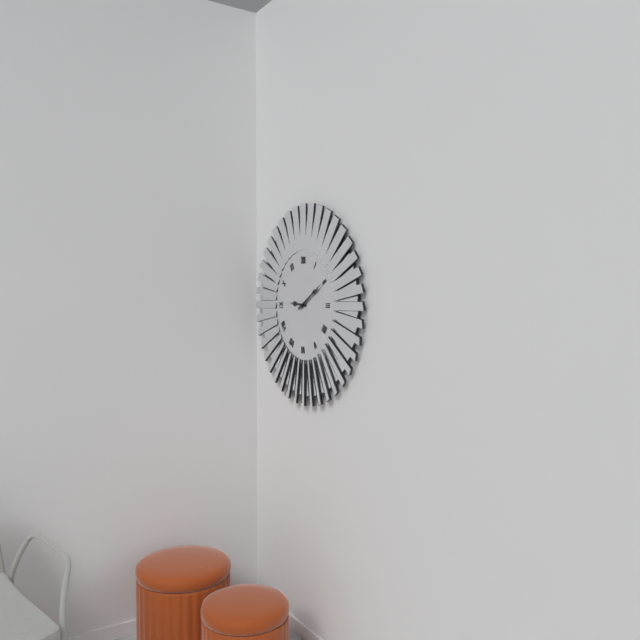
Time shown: 9:10
